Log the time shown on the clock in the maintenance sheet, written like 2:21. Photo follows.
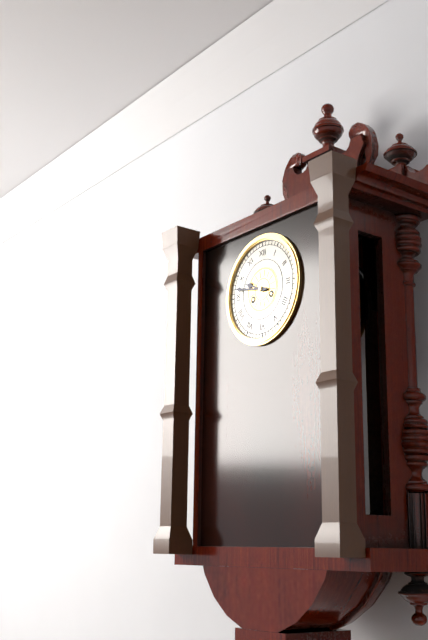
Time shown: 9:47
